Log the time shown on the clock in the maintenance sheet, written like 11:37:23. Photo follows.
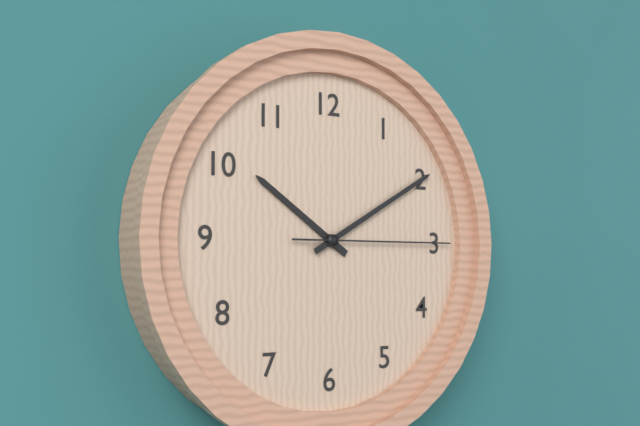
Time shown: 10:10:15
